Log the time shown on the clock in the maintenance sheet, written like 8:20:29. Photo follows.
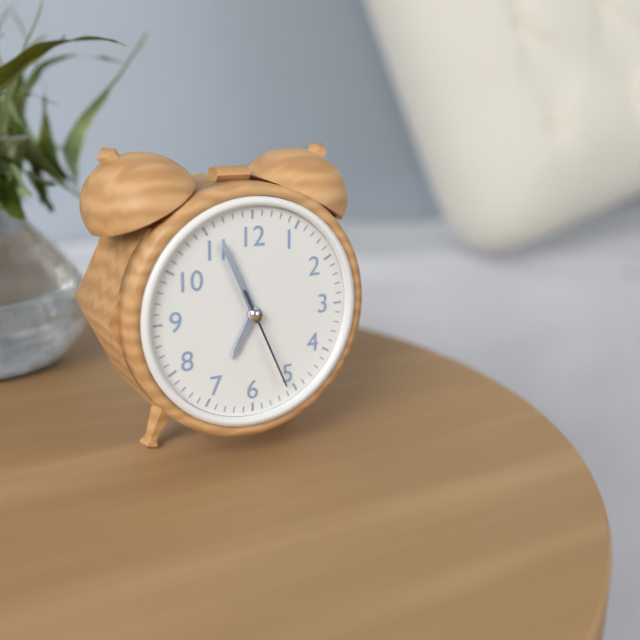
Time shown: 6:56:26
